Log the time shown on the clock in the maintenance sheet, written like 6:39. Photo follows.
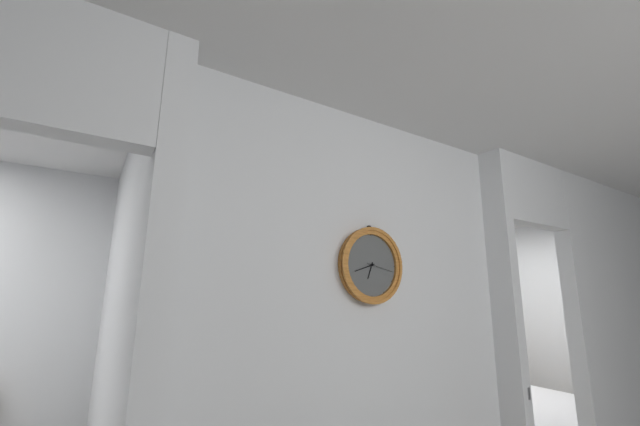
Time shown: 6:42
